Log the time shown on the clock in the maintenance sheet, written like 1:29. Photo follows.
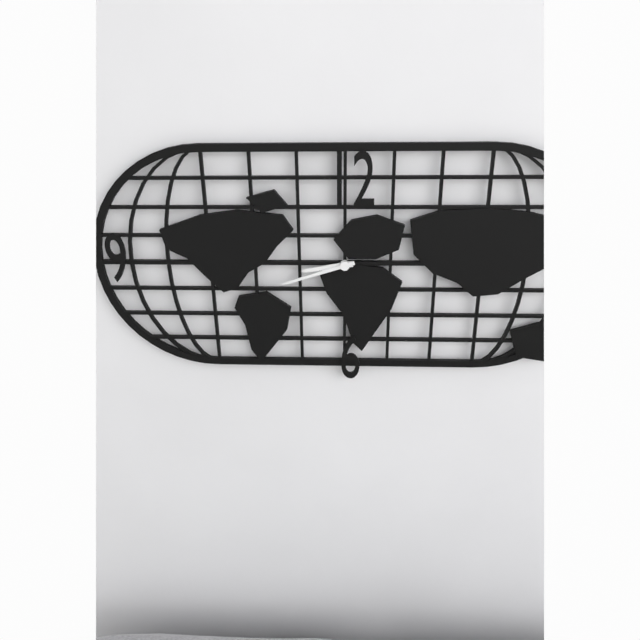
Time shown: 8:42
